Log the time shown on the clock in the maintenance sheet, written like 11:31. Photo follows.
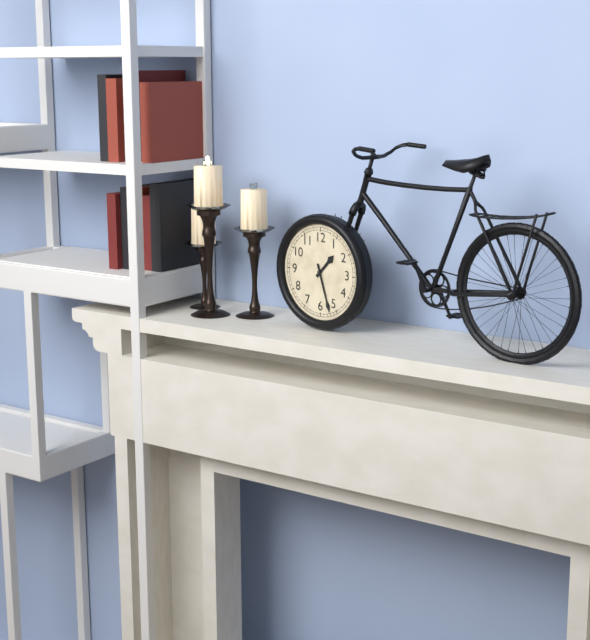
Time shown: 1:27
